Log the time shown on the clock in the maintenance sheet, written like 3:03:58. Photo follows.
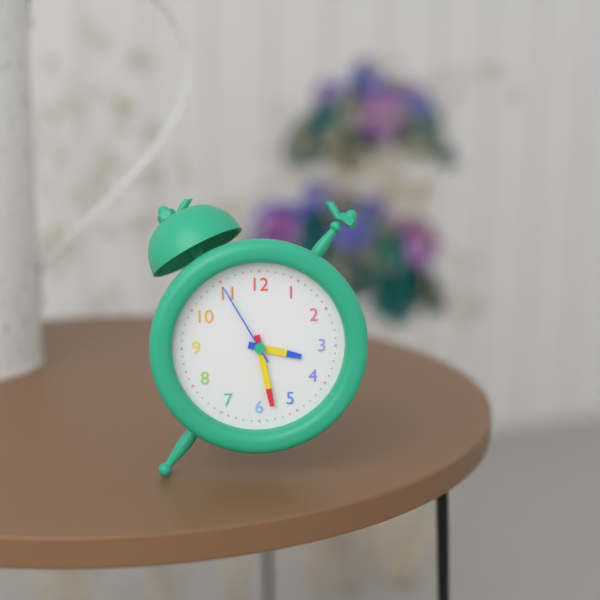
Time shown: 3:28:55
